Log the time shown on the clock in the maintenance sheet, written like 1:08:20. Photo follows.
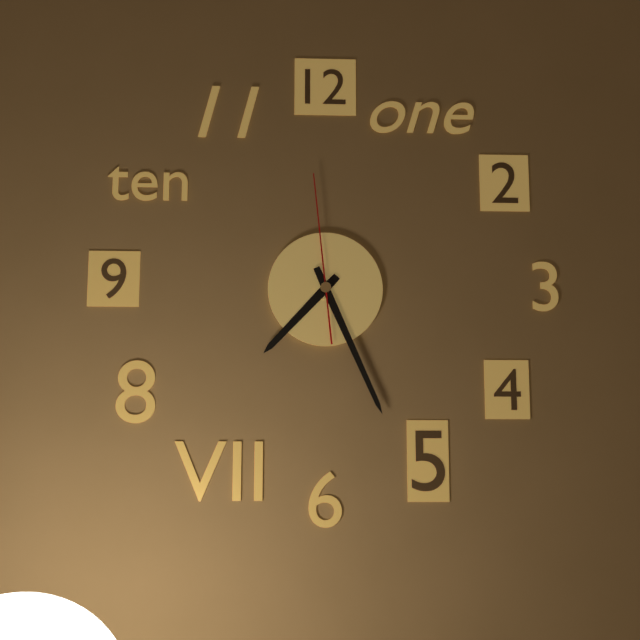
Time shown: 7:26:59
